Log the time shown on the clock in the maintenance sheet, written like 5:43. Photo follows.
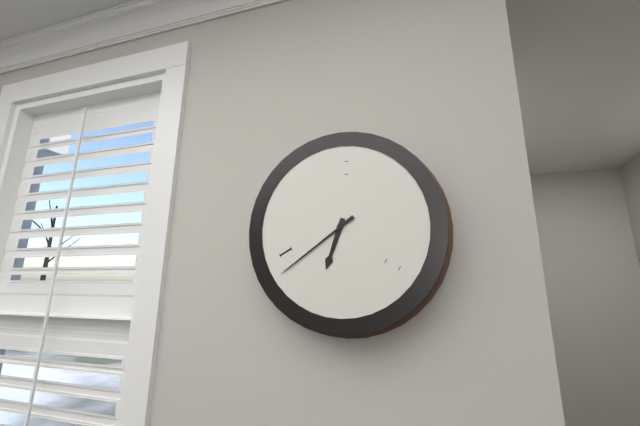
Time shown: 6:39
